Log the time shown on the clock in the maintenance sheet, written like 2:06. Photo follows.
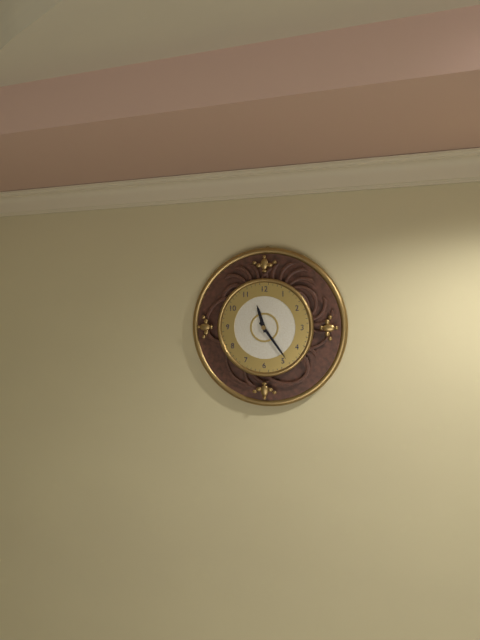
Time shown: 11:24
